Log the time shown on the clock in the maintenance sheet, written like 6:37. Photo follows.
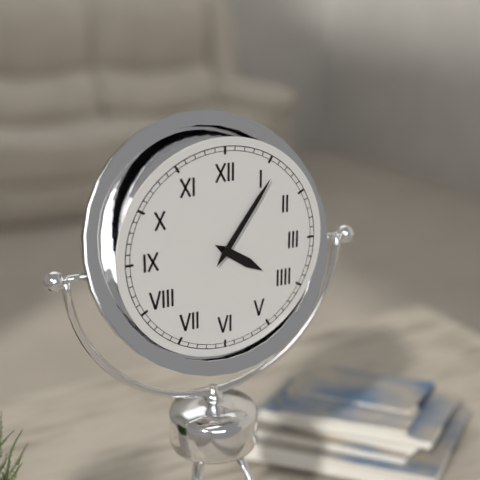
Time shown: 4:06
